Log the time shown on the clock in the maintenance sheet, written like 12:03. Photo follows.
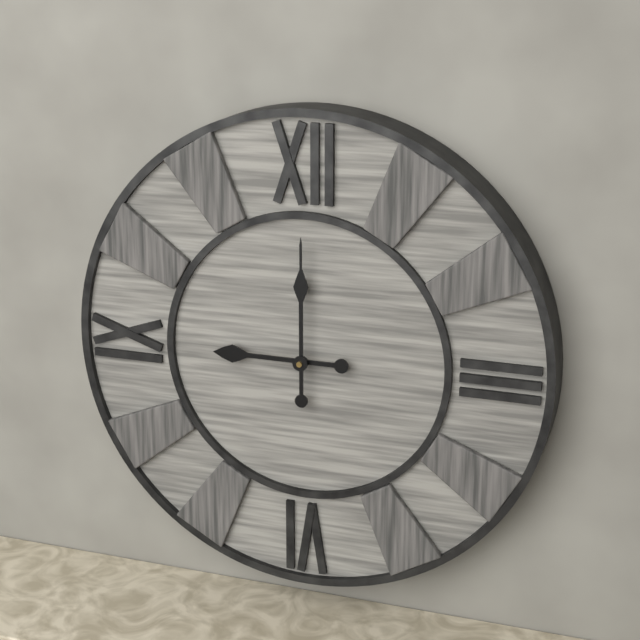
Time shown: 9:00
